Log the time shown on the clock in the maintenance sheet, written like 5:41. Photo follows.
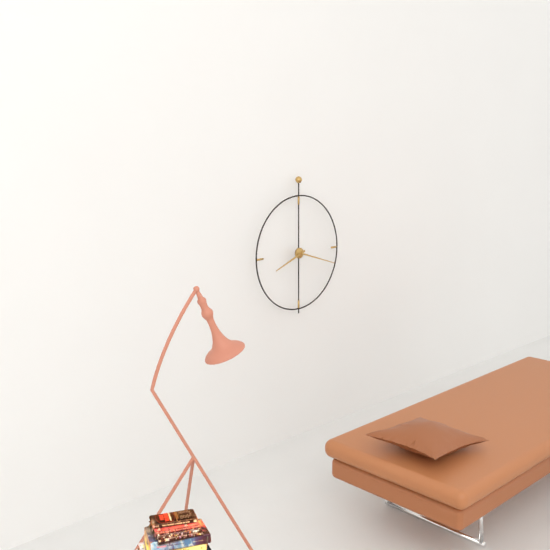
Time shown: 8:18
